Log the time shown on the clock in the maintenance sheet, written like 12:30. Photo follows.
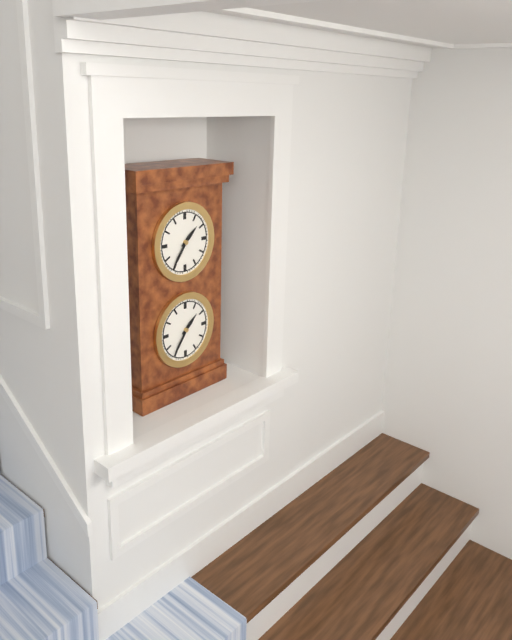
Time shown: 1:36
